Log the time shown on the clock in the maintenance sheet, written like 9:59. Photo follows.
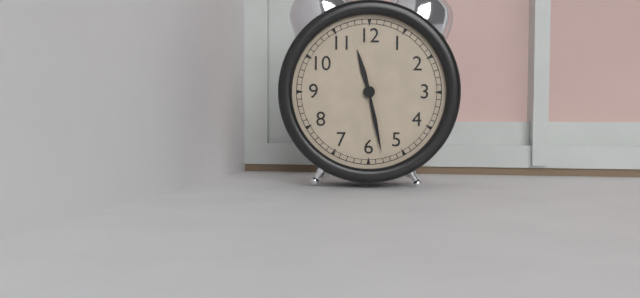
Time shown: 11:28
